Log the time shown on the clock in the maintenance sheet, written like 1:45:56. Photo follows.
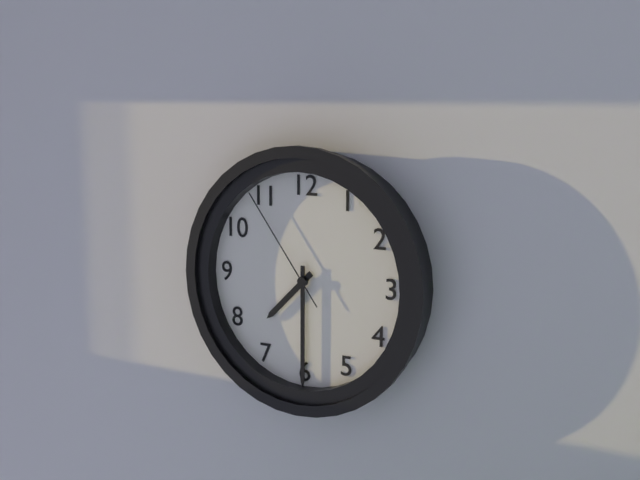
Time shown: 7:30:54
